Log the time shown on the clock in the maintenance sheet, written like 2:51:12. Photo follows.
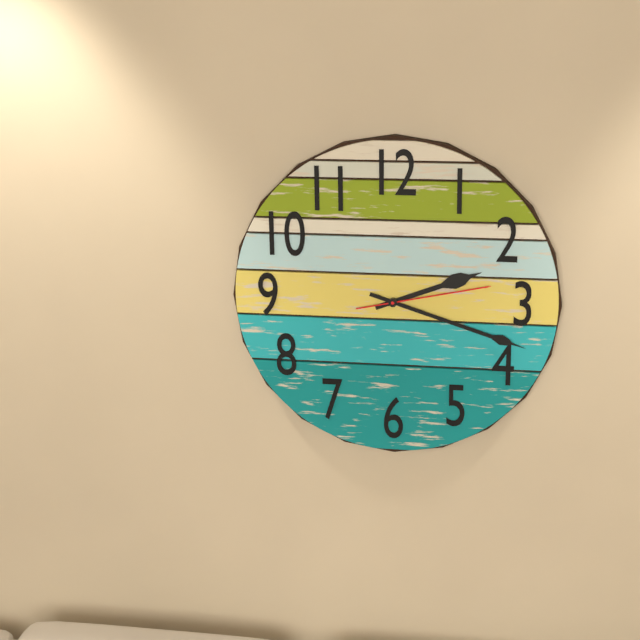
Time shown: 2:18:13
